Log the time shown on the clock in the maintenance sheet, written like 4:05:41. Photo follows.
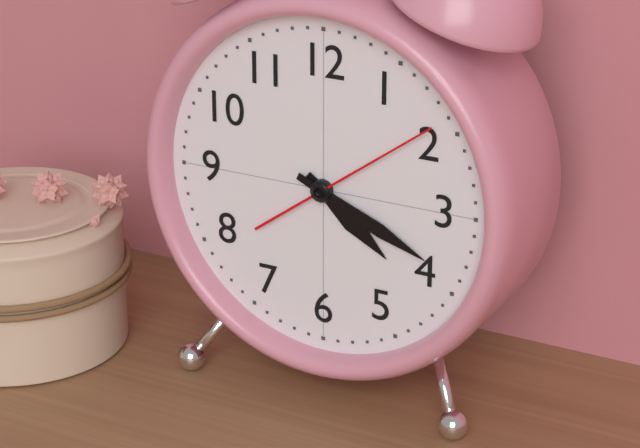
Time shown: 4:19:09
